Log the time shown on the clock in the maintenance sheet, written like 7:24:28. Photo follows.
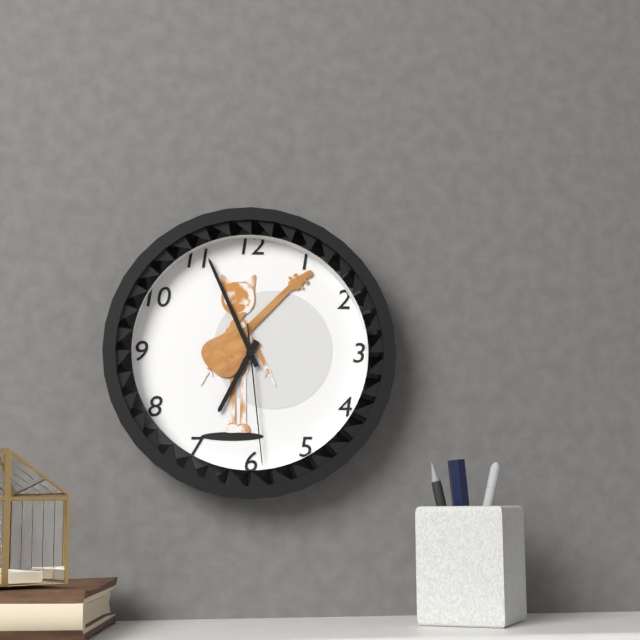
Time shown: 6:56:29
